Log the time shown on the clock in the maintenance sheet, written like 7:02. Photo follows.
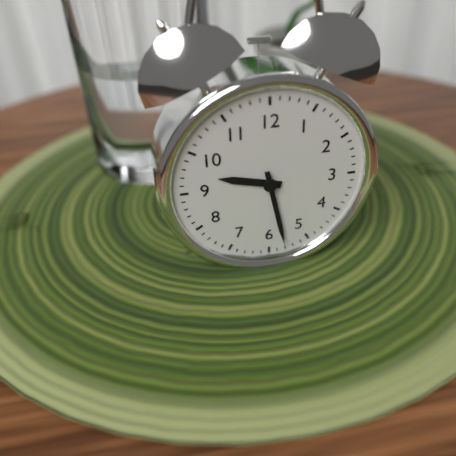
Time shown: 9:28
